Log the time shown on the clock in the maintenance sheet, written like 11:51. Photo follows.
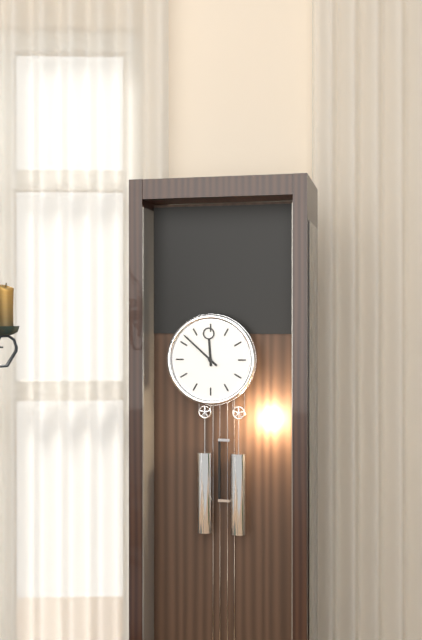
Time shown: 11:52
